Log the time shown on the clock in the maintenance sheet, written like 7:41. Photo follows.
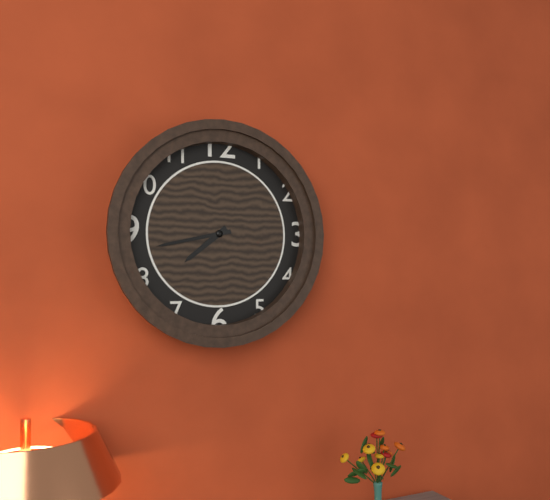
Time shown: 7:43
